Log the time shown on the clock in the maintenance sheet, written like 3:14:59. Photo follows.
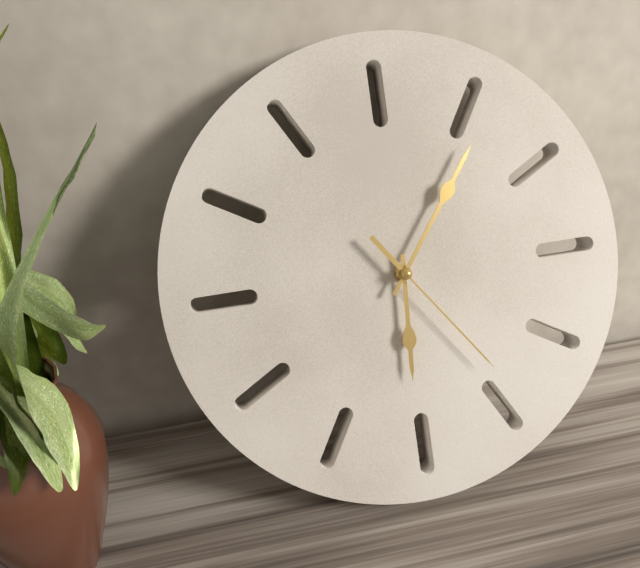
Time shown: 6:06:24
